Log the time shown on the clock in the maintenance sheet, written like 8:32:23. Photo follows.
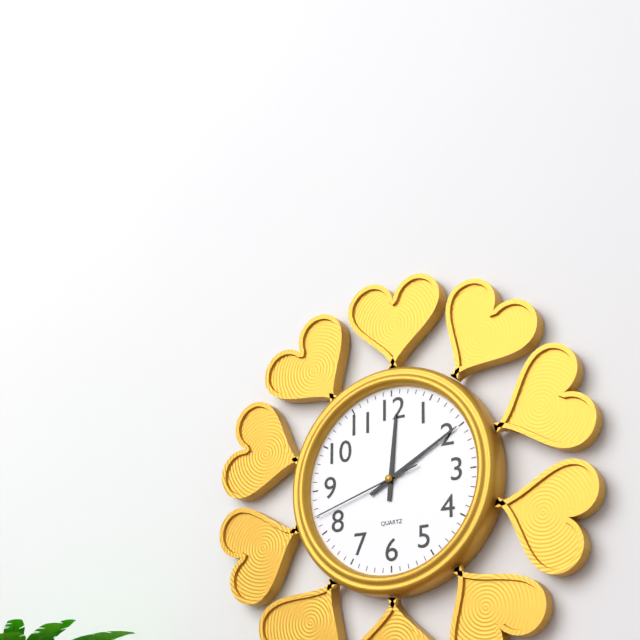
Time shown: 12:10:42
